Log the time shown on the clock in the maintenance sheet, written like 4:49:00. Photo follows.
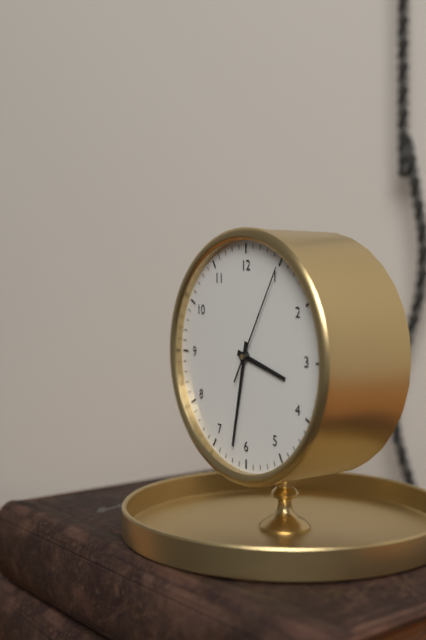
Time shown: 3:32:05
